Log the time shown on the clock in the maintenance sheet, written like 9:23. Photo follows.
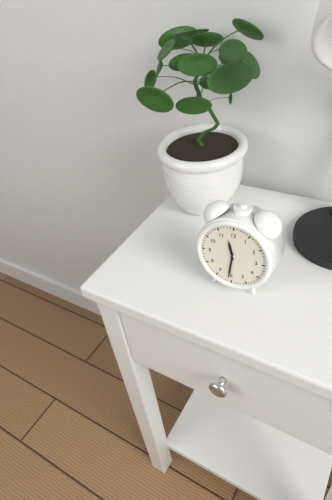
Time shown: 11:31
